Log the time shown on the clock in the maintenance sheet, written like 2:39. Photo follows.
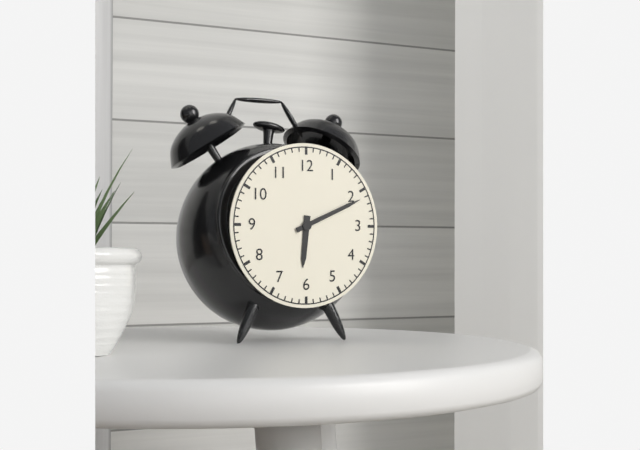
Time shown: 6:11
